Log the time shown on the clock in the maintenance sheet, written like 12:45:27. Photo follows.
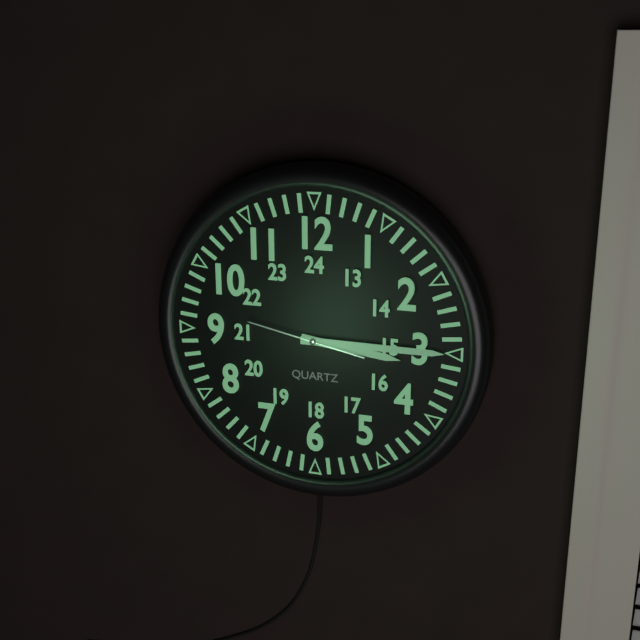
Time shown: 3:15:47
